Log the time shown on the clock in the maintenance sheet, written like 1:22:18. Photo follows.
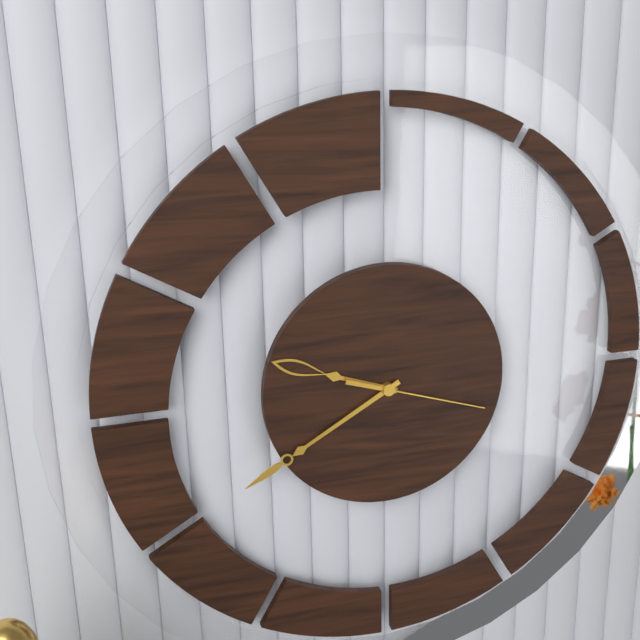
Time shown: 9:40:18
